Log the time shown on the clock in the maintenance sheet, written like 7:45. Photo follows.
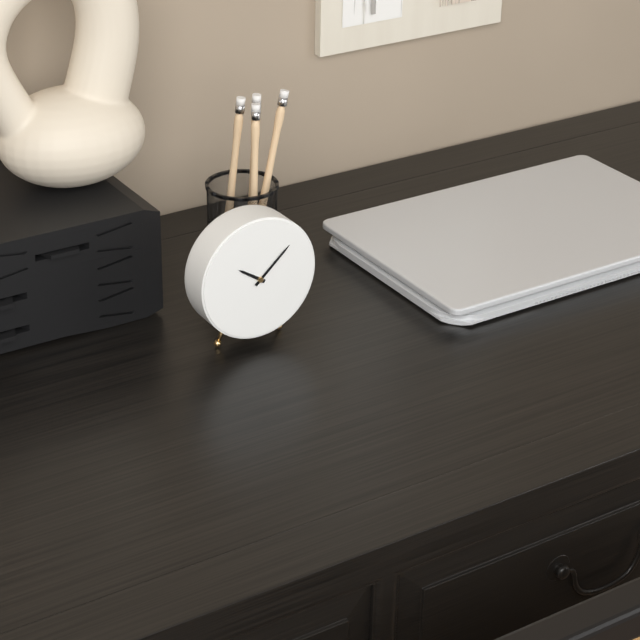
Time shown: 10:08
